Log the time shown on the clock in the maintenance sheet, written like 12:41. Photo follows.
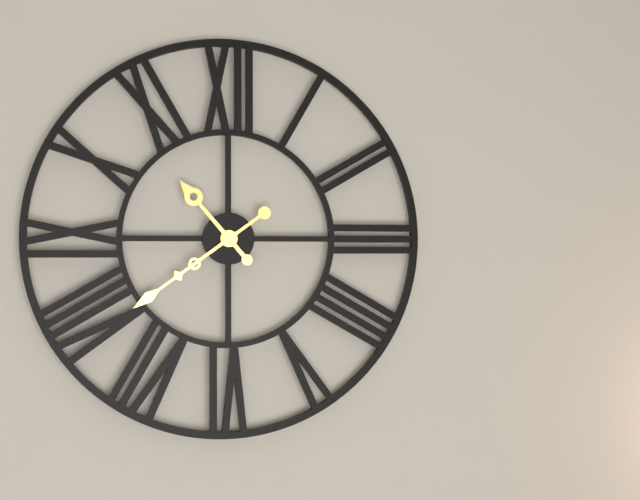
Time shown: 10:39
